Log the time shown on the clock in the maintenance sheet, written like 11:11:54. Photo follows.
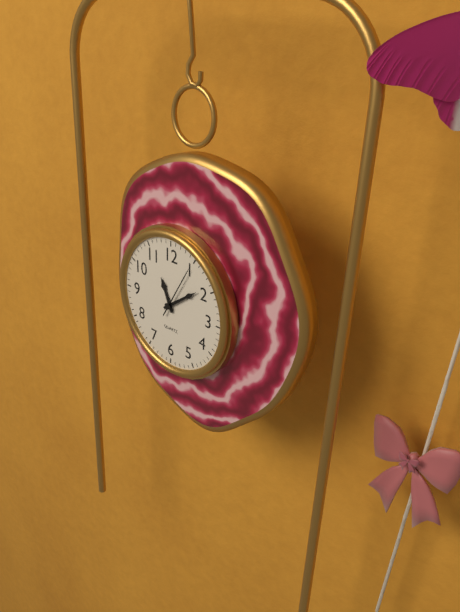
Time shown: 11:09:05
